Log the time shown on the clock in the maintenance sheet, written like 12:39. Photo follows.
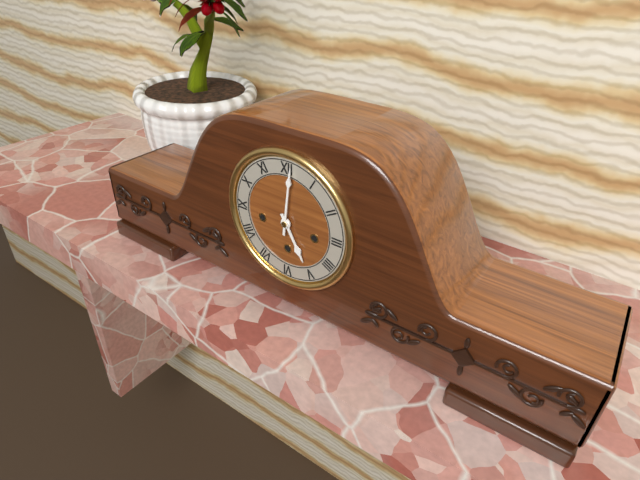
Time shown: 5:01
